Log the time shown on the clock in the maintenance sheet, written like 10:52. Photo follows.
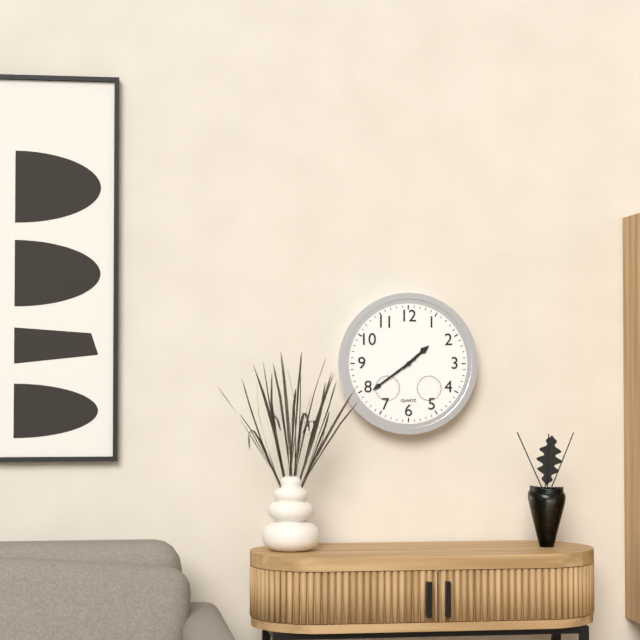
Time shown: 1:39
